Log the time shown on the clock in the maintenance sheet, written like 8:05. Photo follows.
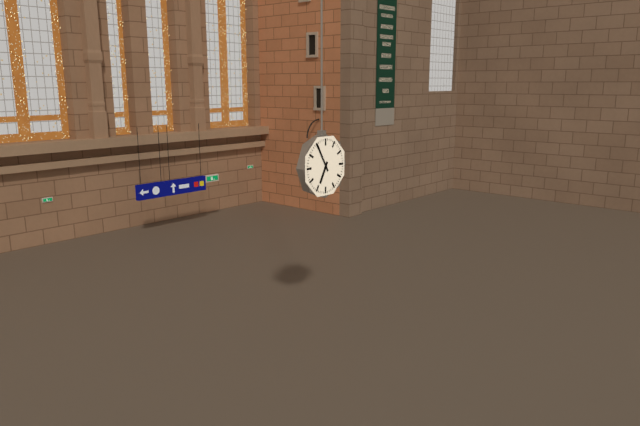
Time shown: 6:55
